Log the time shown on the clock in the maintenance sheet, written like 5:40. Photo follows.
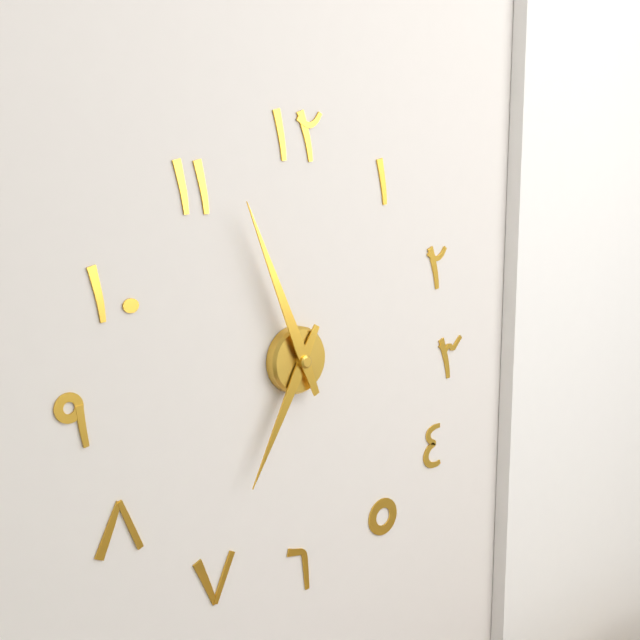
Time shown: 6:56
